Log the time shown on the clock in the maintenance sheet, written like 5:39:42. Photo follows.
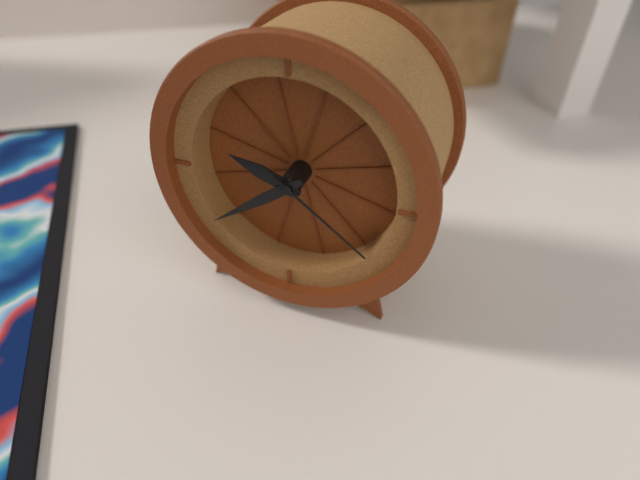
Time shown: 9:39:21
